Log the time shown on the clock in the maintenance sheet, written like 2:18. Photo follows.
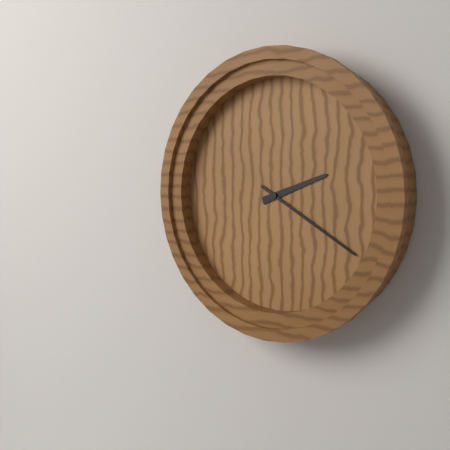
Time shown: 2:20
